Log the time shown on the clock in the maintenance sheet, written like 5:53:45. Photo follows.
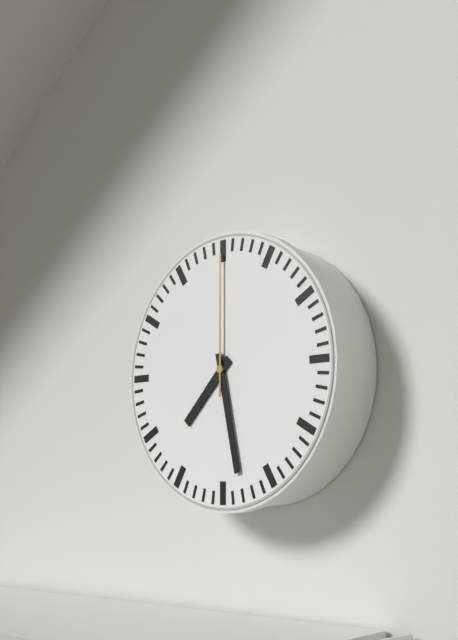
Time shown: 7:28:00
